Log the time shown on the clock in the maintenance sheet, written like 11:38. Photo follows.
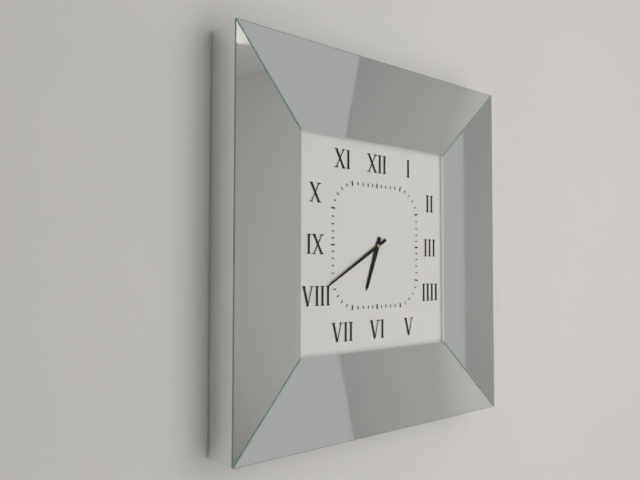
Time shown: 6:40
